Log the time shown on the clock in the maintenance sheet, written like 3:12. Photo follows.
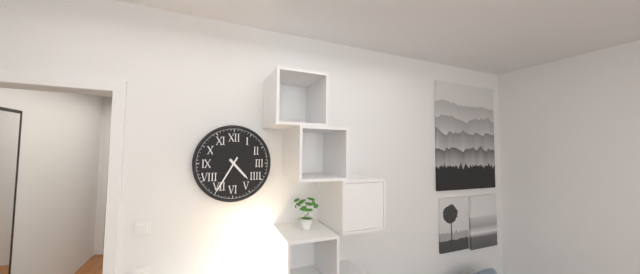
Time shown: 4:35
